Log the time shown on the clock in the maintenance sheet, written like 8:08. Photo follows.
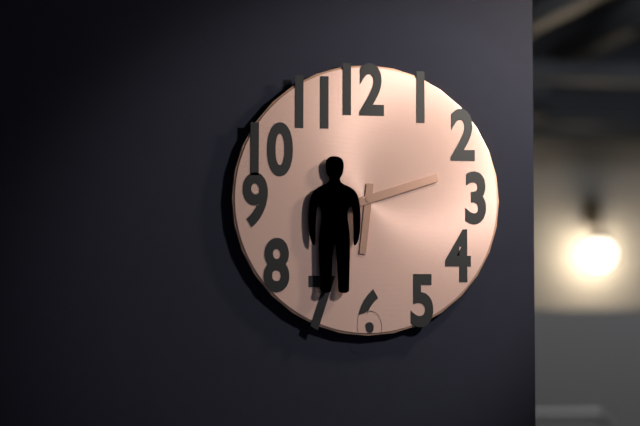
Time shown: 6:12
